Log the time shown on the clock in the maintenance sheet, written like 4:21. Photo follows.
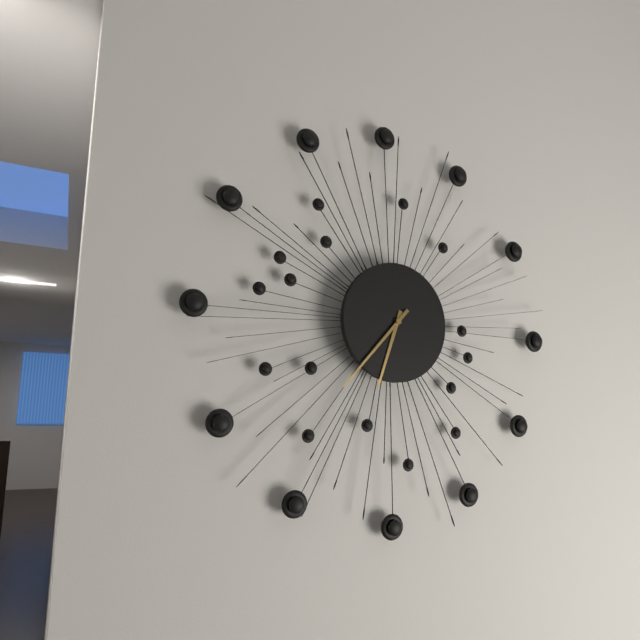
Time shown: 6:37
